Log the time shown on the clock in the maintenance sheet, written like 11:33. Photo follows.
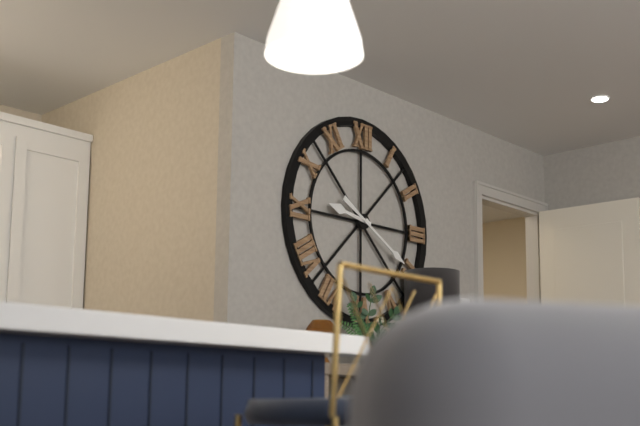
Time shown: 9:20
